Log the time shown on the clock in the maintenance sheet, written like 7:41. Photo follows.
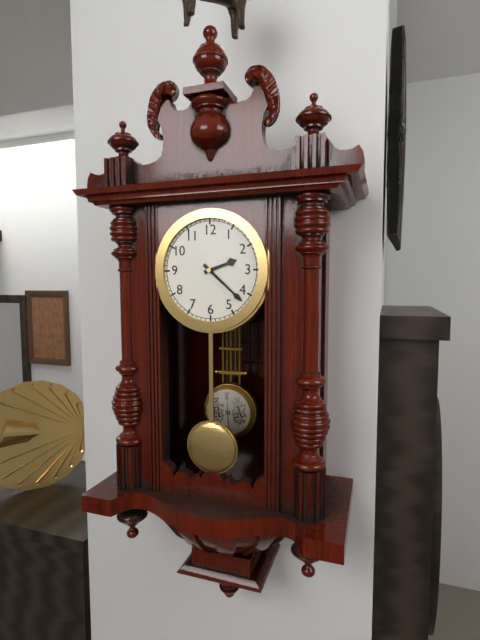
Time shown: 2:22
